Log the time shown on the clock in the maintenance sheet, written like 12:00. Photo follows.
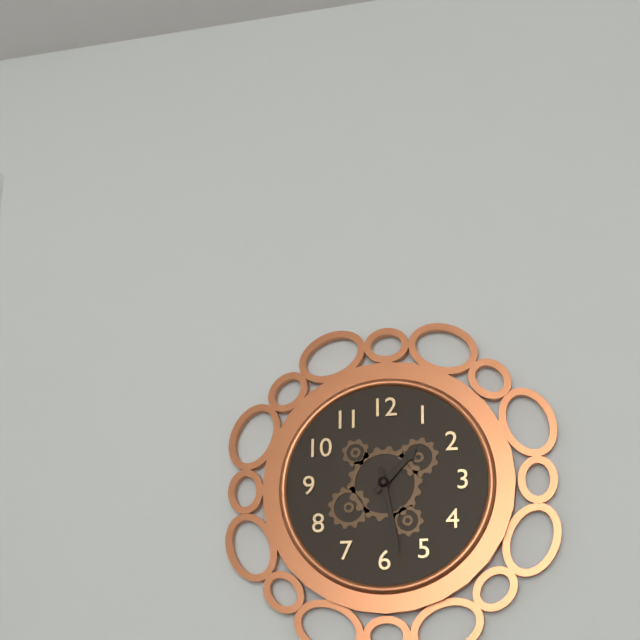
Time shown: 1:28
